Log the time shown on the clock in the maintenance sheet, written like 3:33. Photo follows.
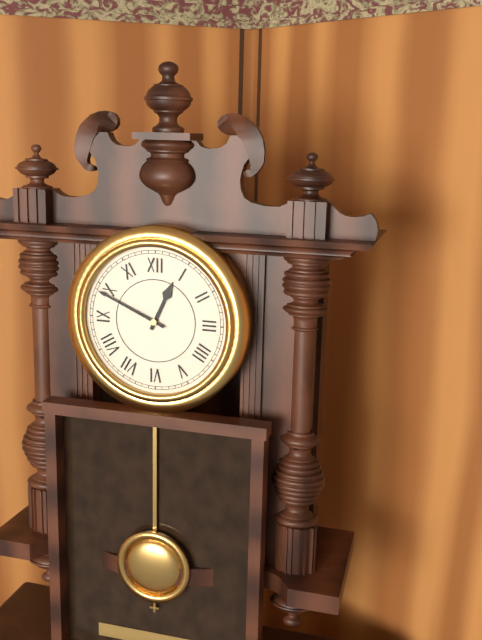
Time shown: 12:49
